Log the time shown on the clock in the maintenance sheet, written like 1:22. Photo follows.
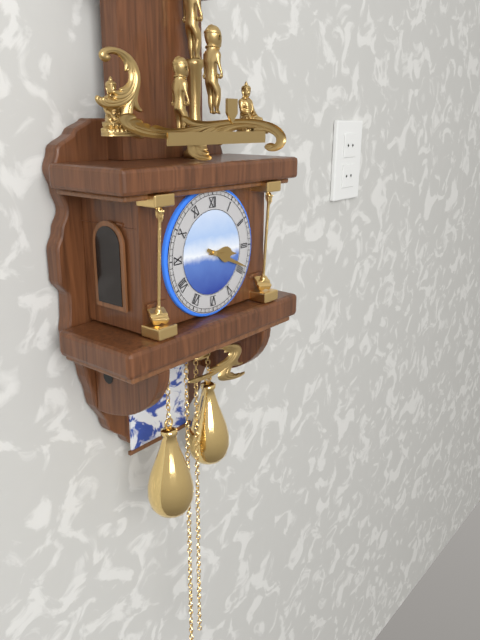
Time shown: 3:19
